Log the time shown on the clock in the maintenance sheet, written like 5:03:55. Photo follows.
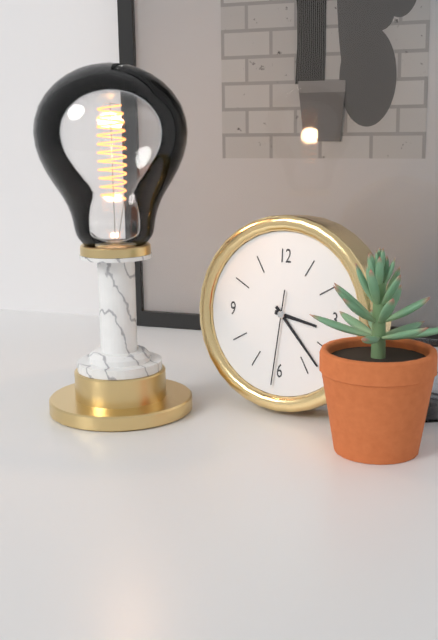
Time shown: 3:23:31
